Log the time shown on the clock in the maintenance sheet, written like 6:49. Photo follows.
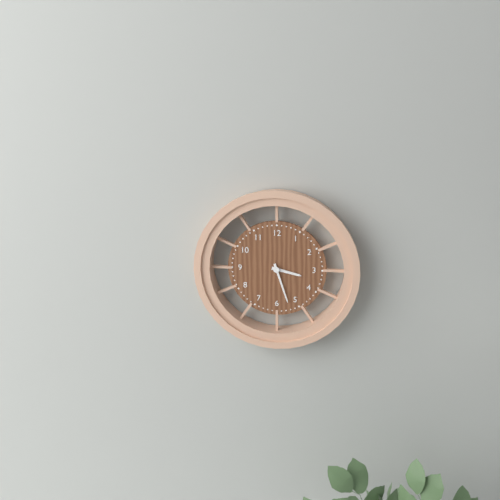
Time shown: 3:27
